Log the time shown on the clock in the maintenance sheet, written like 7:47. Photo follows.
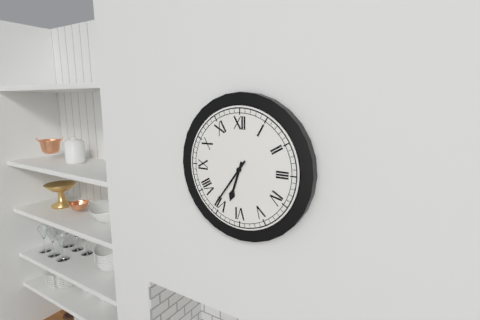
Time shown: 6:36
